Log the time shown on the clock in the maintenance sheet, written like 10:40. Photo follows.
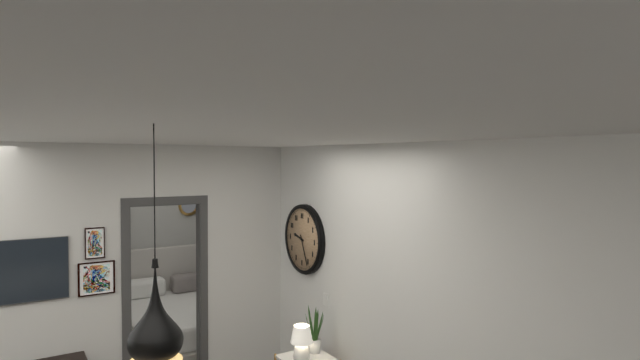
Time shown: 9:26
